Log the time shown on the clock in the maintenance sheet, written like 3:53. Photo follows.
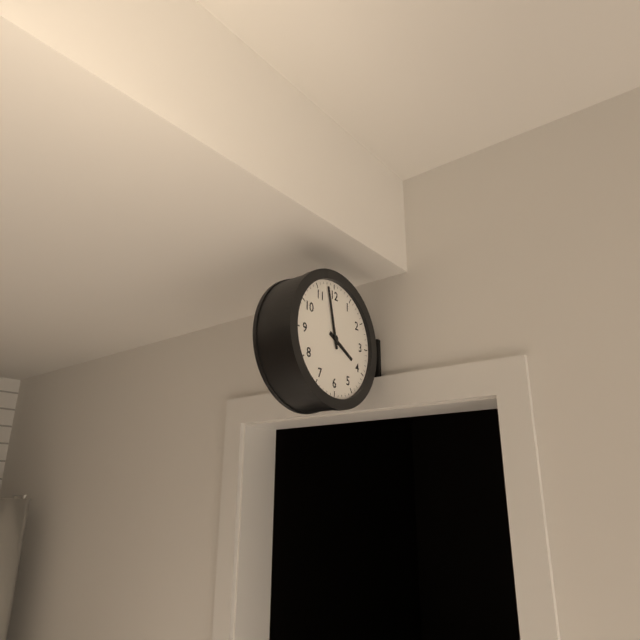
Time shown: 3:58
